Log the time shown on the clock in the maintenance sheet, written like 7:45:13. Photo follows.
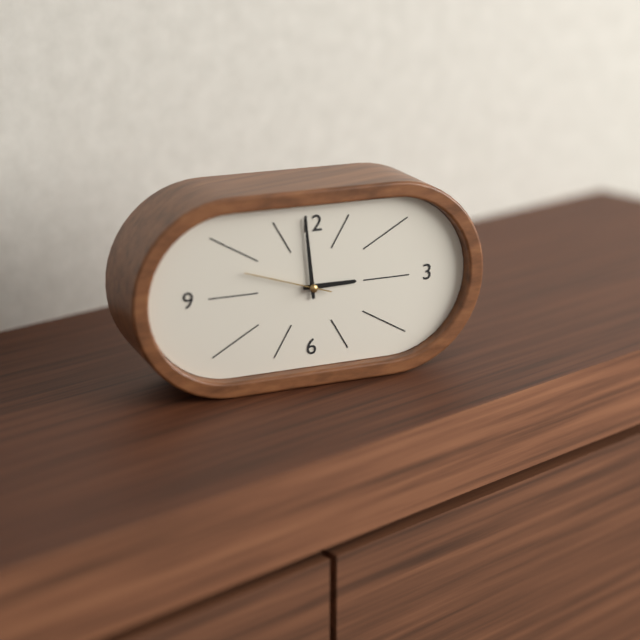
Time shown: 2:59:48
